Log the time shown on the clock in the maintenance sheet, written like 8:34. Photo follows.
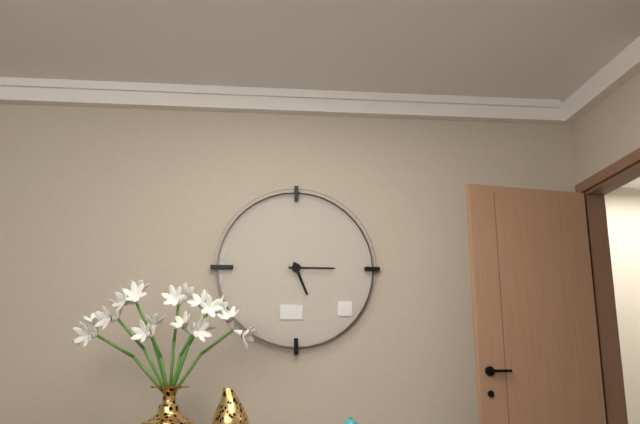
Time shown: 5:15
